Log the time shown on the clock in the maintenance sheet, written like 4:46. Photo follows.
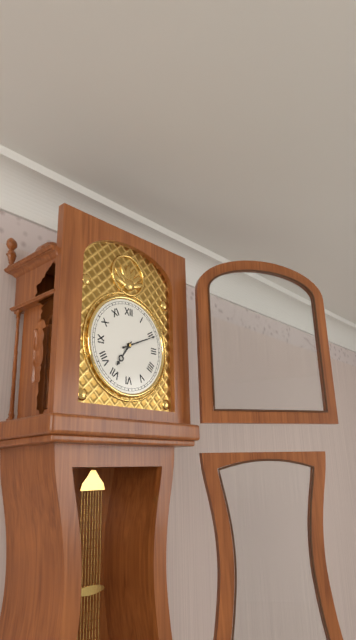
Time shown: 7:11
